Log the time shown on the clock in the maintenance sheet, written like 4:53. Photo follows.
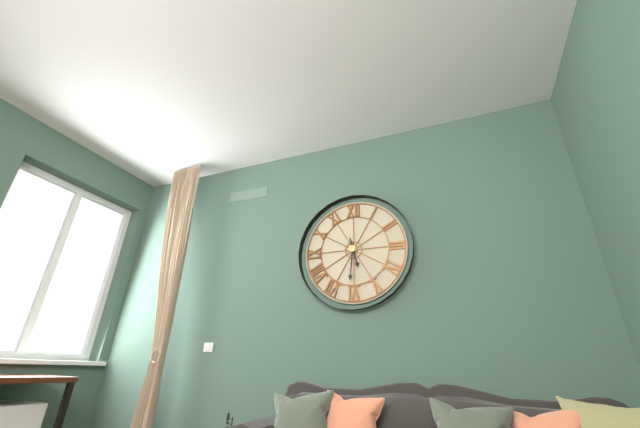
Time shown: 5:31
